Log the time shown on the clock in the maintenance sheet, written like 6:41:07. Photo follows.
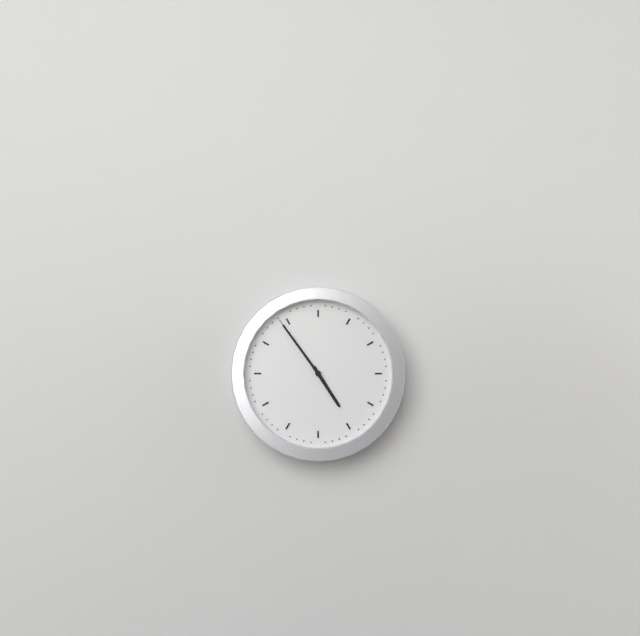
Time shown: 4:54:54
